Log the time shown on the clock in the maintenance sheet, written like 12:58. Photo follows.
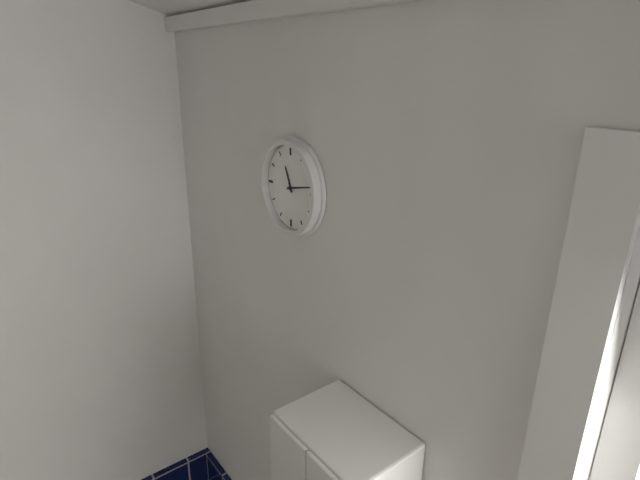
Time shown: 11:13
